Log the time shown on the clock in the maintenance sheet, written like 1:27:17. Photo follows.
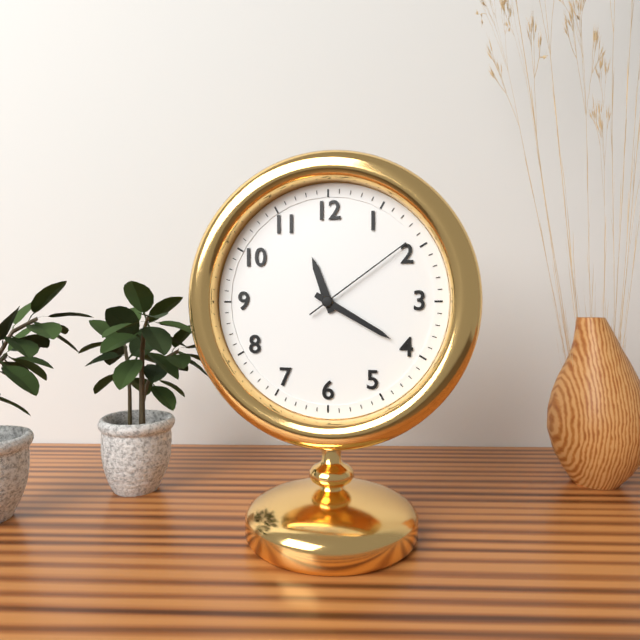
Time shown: 11:20:09
